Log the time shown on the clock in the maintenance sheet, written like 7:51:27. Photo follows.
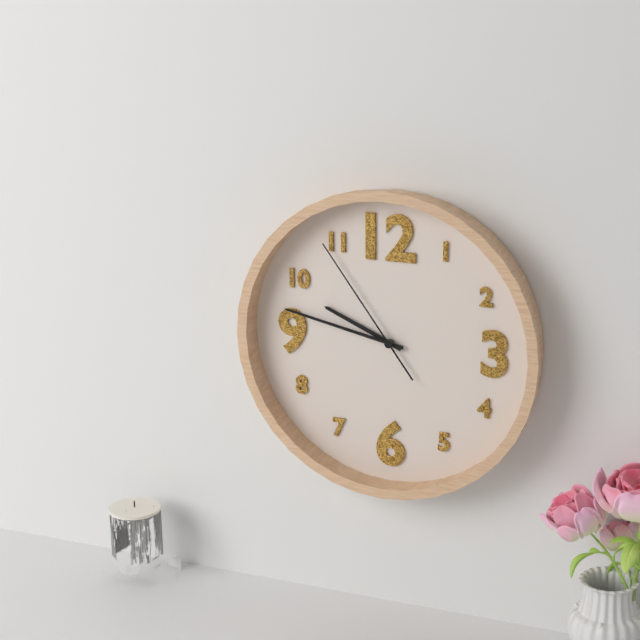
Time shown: 9:47:54
